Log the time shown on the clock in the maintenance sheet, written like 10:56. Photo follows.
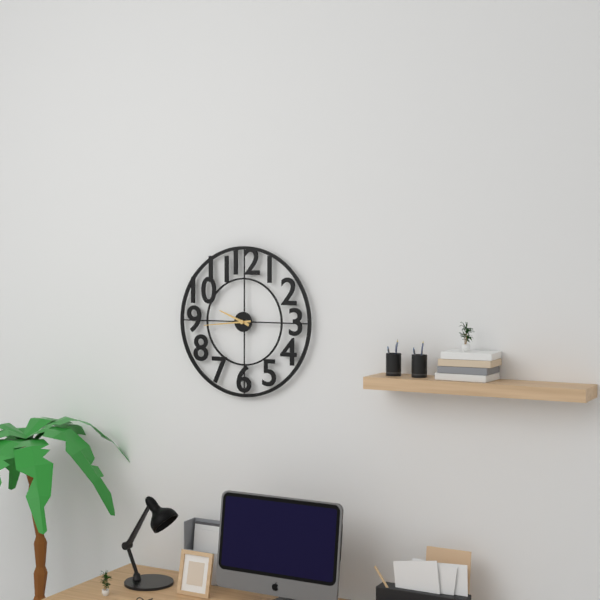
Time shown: 9:44
